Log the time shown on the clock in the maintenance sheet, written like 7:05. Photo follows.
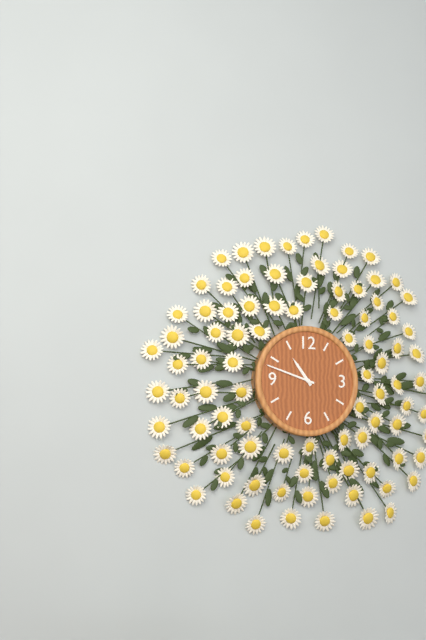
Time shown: 10:48
